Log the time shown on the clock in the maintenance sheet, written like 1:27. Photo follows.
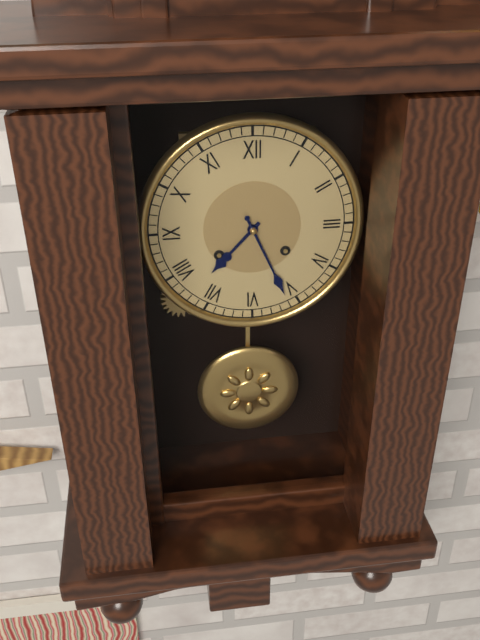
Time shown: 7:26
